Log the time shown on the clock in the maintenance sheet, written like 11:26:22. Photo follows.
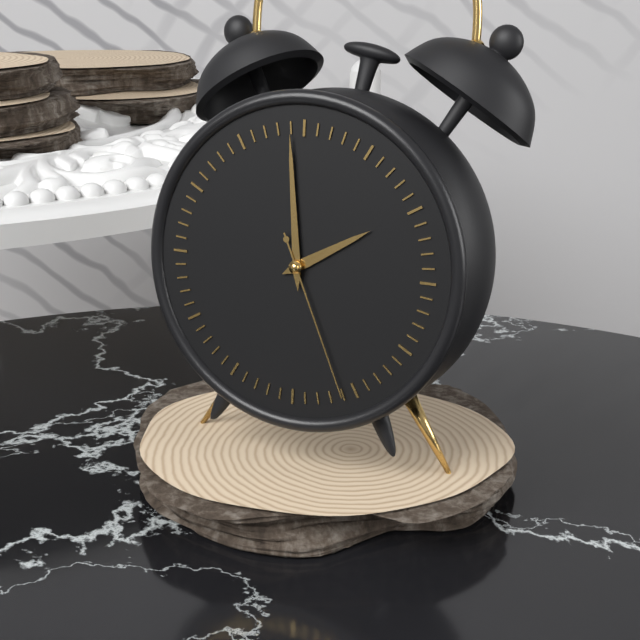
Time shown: 1:59:26
